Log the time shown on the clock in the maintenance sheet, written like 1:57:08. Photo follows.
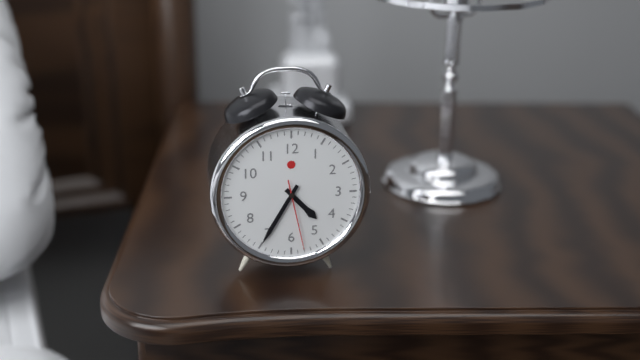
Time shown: 4:35:28
